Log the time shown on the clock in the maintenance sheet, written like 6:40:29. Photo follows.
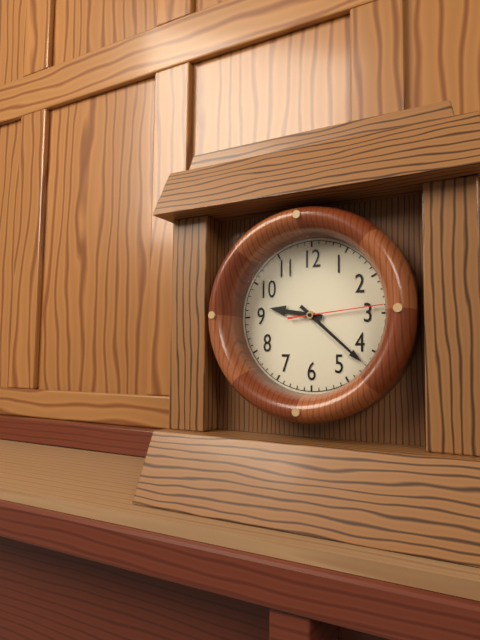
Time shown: 9:22:14
